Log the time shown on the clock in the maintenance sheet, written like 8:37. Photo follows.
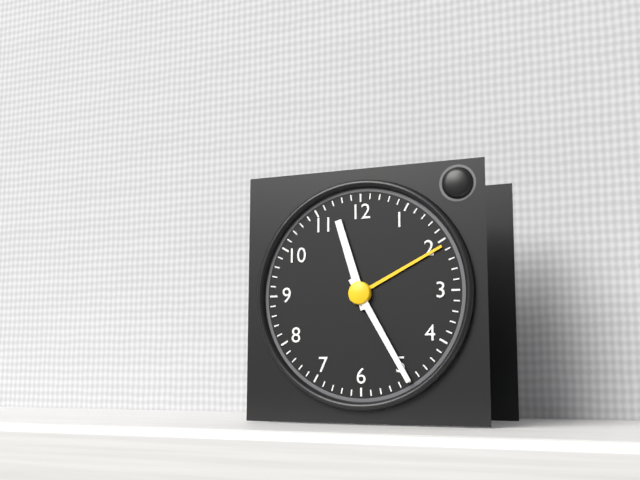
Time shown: 11:25
